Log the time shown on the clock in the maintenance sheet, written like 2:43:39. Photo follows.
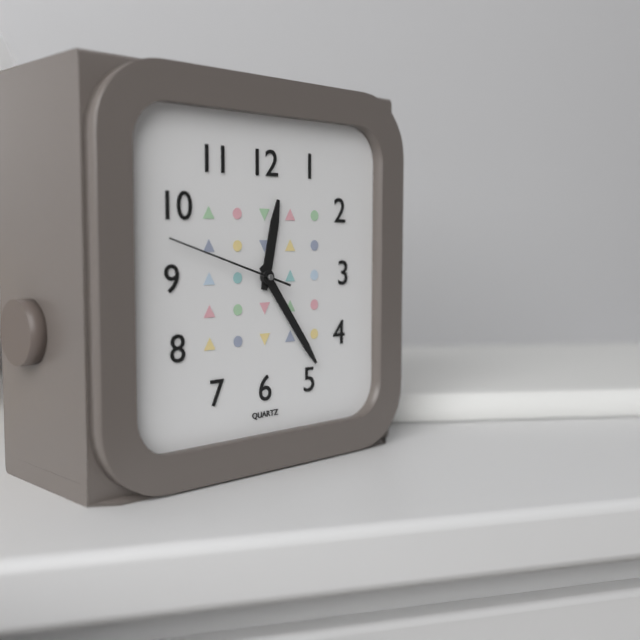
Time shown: 12:24:48
